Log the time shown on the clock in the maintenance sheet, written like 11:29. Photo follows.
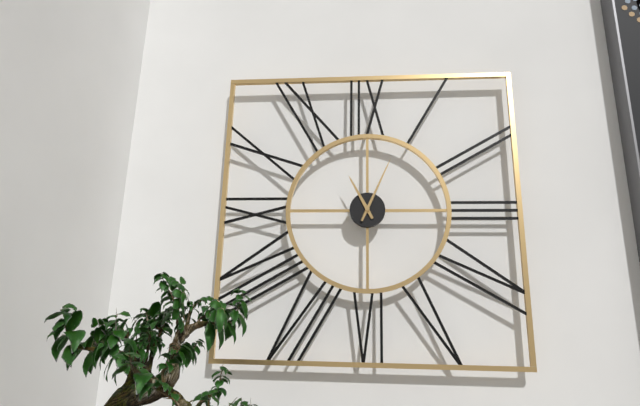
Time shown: 11:04
